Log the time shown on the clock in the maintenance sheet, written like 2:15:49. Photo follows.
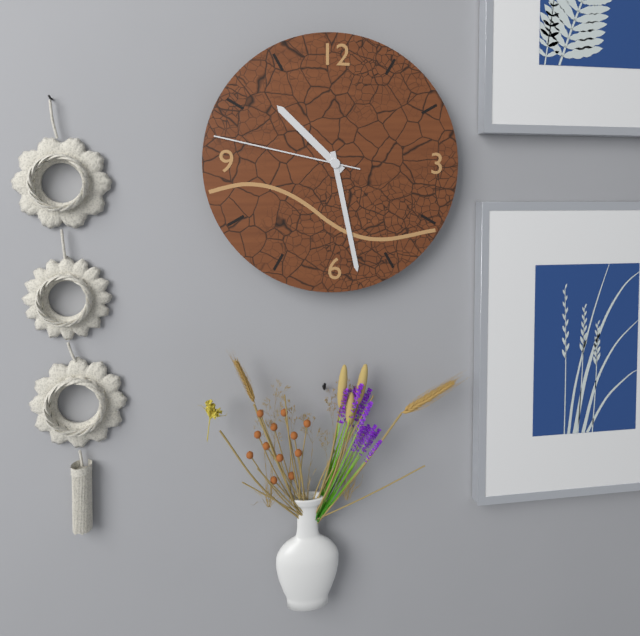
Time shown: 10:28:47
